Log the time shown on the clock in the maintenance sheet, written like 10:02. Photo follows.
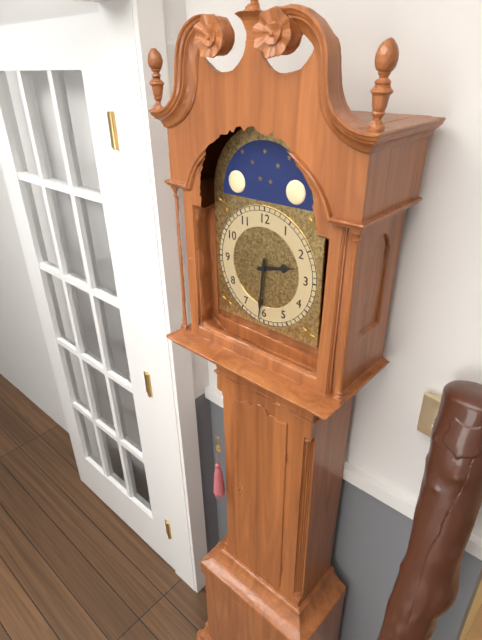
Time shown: 2:31
